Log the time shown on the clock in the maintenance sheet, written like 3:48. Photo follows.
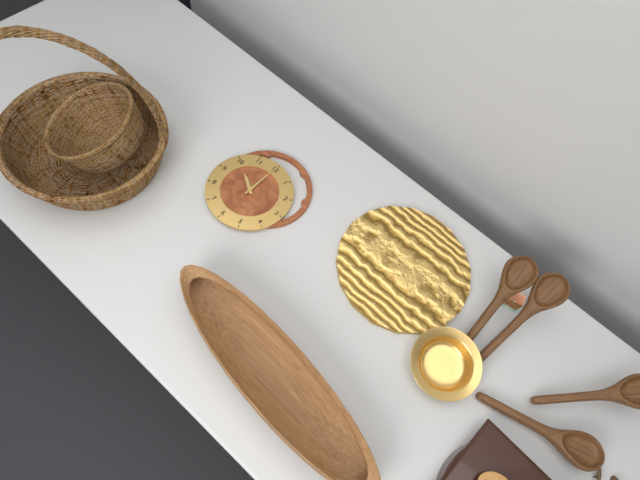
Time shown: 10:00
